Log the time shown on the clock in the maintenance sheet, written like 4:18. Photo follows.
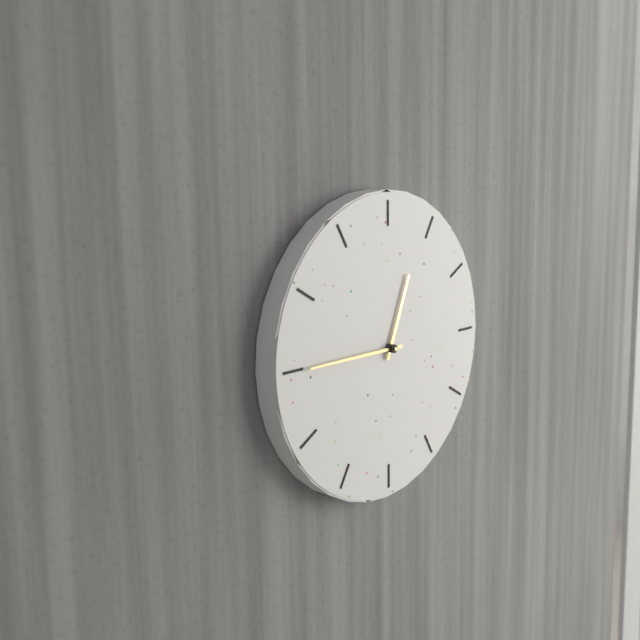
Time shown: 12:45
